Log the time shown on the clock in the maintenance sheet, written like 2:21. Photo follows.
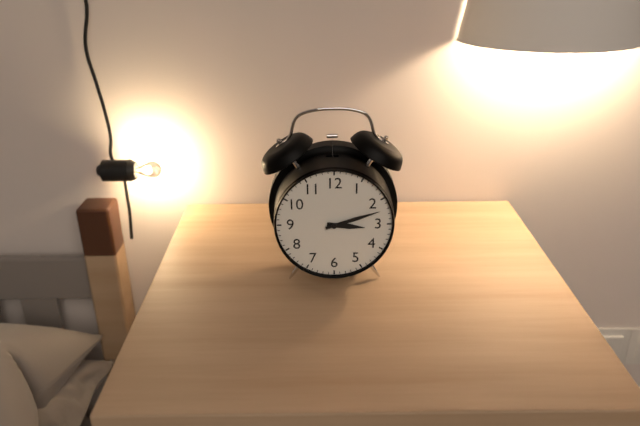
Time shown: 3:12
